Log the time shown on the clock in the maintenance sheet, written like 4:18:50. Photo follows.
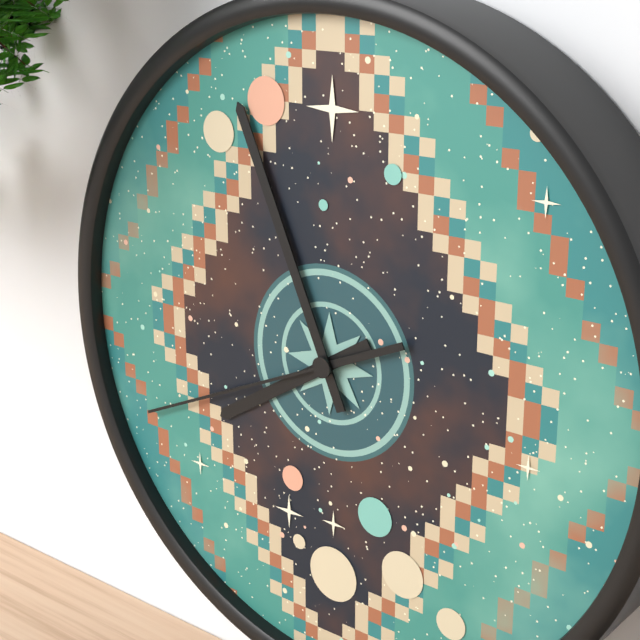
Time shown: 7:56:41
